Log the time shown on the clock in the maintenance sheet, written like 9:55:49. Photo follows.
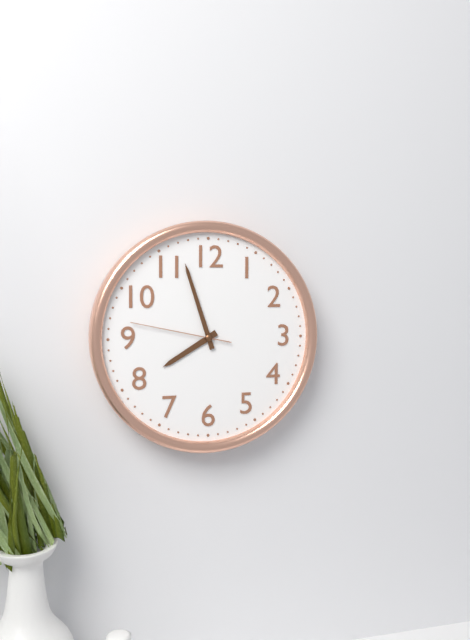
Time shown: 7:57:47
